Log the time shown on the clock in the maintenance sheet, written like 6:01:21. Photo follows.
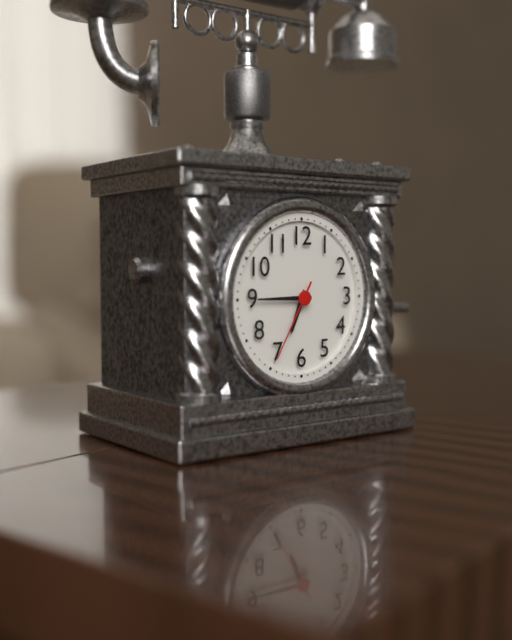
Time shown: 6:45:35
